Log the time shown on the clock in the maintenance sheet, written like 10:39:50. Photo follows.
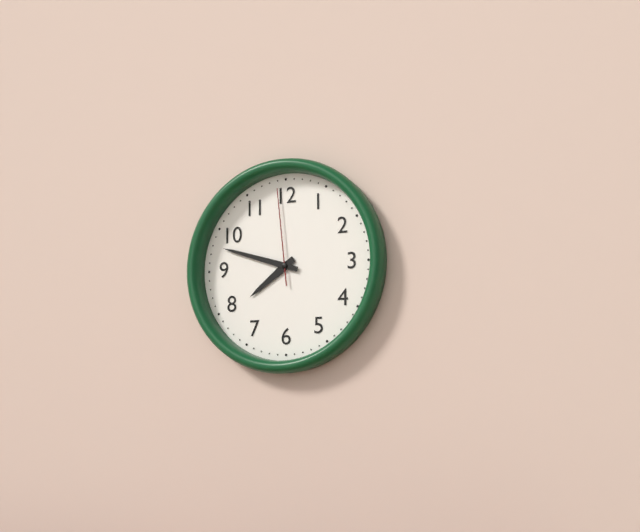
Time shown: 7:48:59
